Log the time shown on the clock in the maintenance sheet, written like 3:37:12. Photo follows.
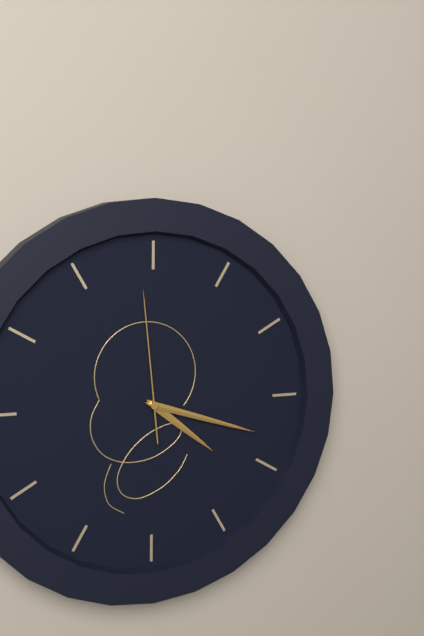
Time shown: 4:18:59
